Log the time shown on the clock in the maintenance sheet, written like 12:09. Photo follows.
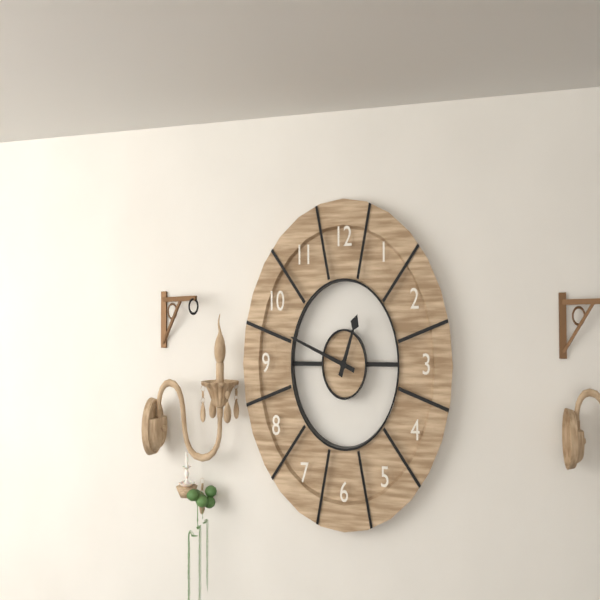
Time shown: 12:48
